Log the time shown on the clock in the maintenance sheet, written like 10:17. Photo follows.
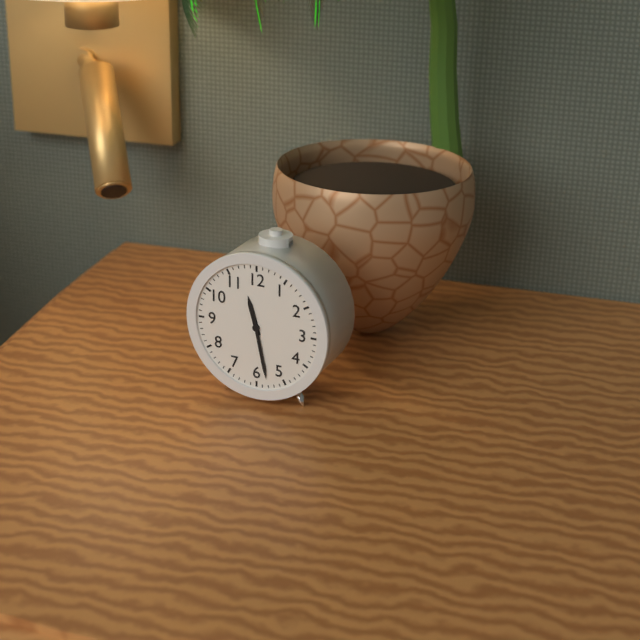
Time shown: 11:28
